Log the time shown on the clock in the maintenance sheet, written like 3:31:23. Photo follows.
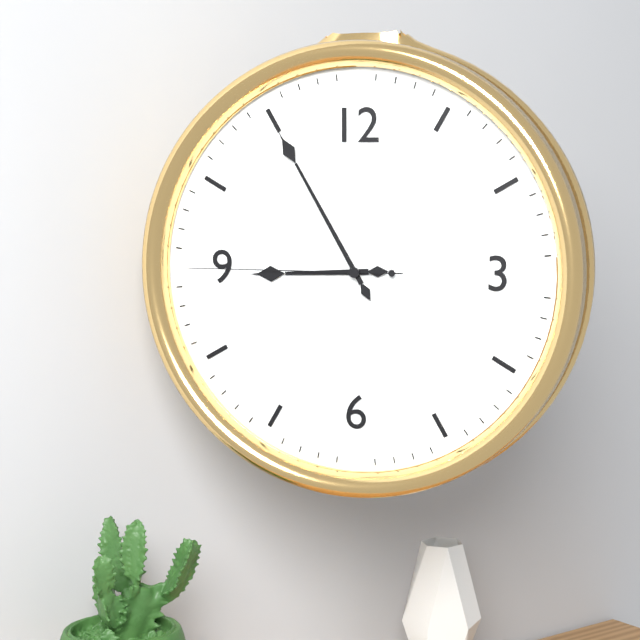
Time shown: 8:55:45
